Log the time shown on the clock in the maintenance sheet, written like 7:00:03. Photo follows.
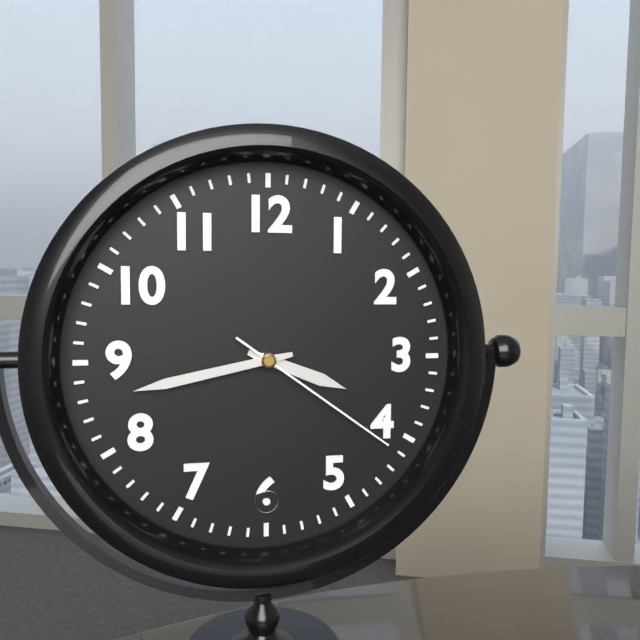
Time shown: 3:43:21
